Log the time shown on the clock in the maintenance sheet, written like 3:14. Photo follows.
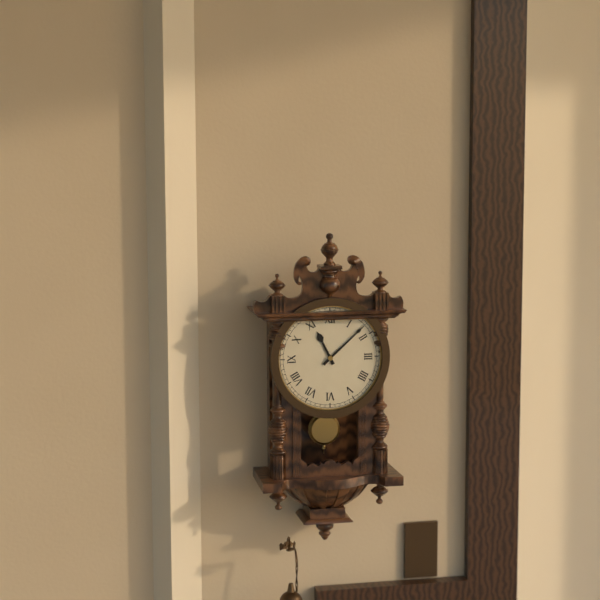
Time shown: 11:08
